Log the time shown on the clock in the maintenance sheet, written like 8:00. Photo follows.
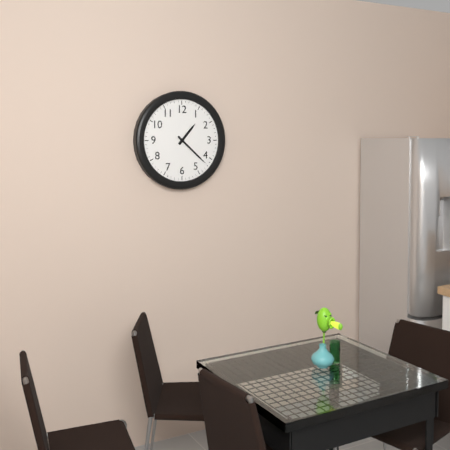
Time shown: 1:22
